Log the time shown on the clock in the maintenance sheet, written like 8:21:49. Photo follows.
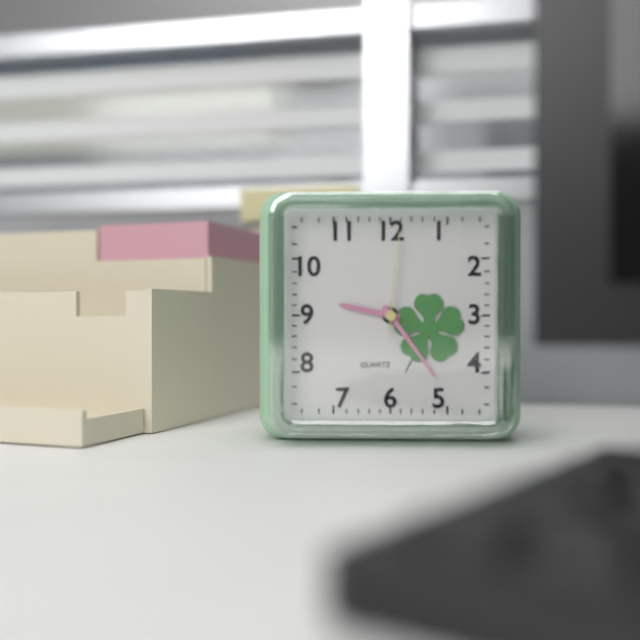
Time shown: 9:24:01
